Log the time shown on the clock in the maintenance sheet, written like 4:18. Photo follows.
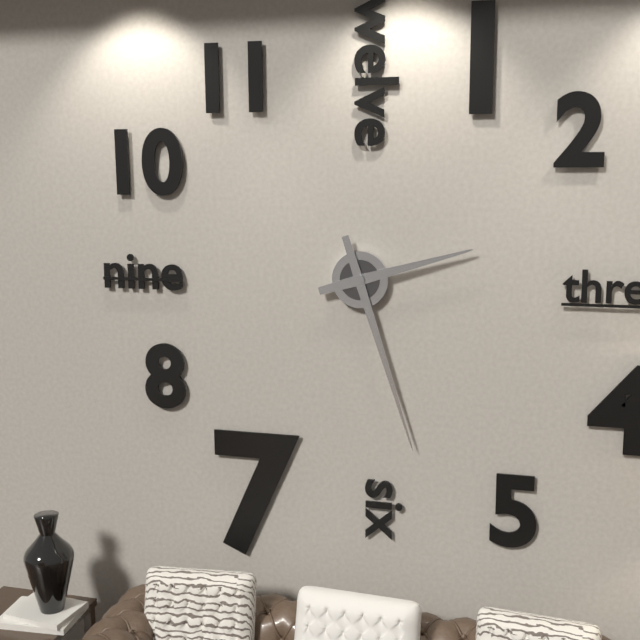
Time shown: 2:27
